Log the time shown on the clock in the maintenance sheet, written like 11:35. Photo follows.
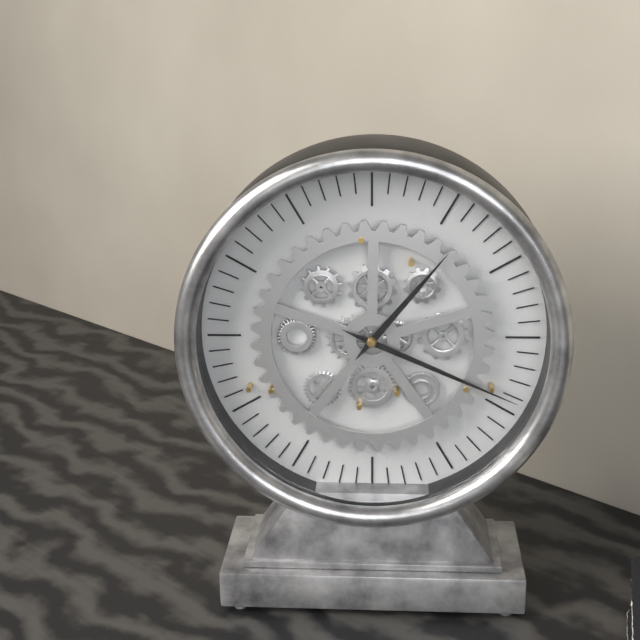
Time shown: 1:19
